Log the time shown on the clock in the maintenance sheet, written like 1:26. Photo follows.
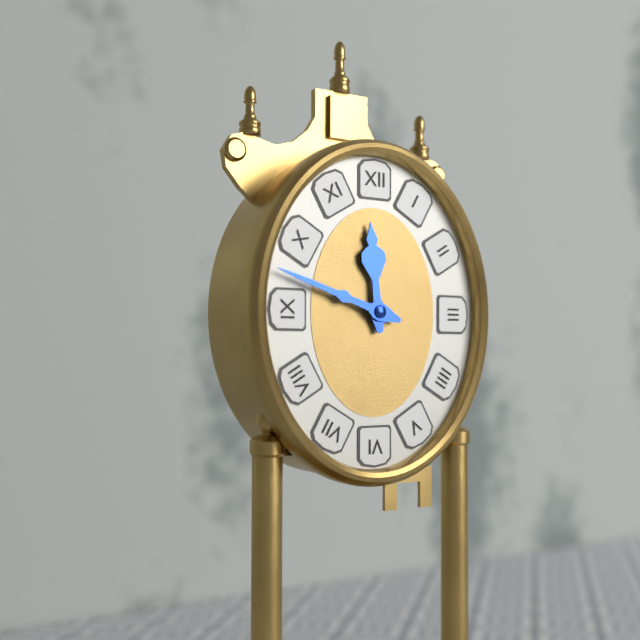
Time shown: 11:48
